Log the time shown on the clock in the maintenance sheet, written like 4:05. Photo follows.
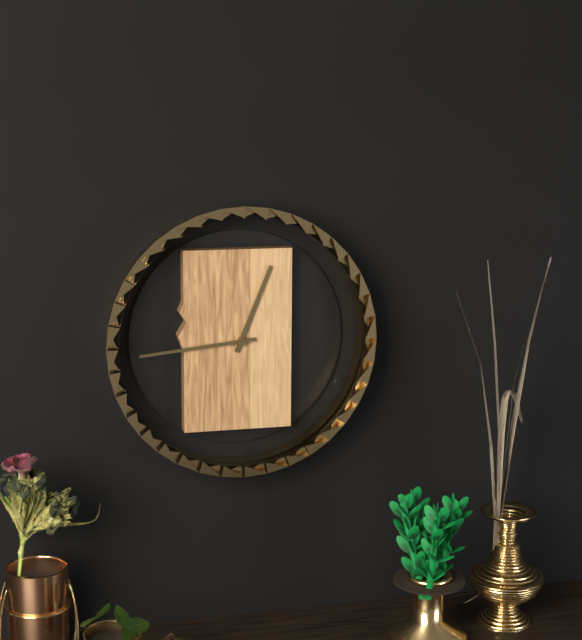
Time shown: 12:44
